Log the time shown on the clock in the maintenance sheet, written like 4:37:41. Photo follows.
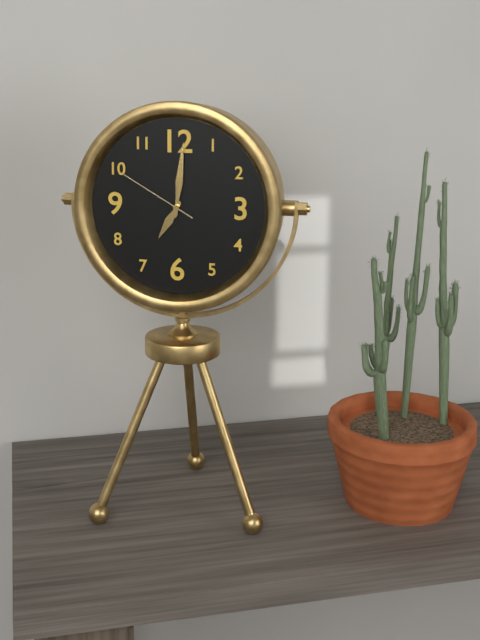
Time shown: 7:01:50
